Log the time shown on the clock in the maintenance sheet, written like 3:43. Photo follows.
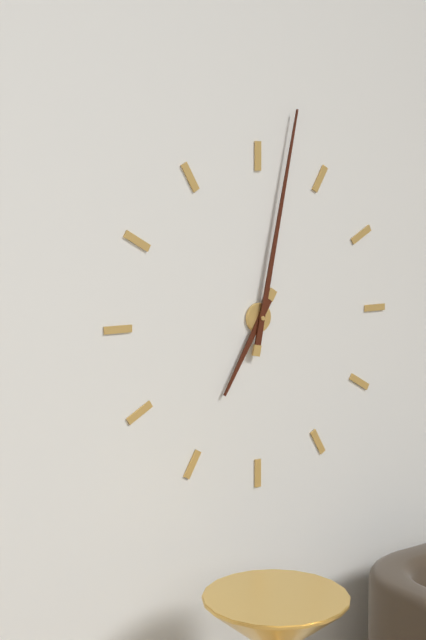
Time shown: 7:02
